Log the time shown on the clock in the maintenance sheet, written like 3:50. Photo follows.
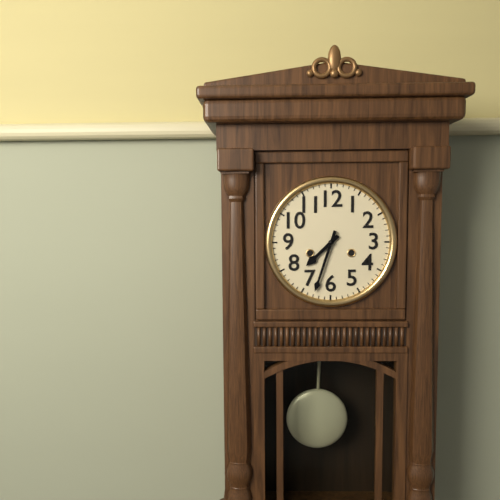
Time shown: 7:33
